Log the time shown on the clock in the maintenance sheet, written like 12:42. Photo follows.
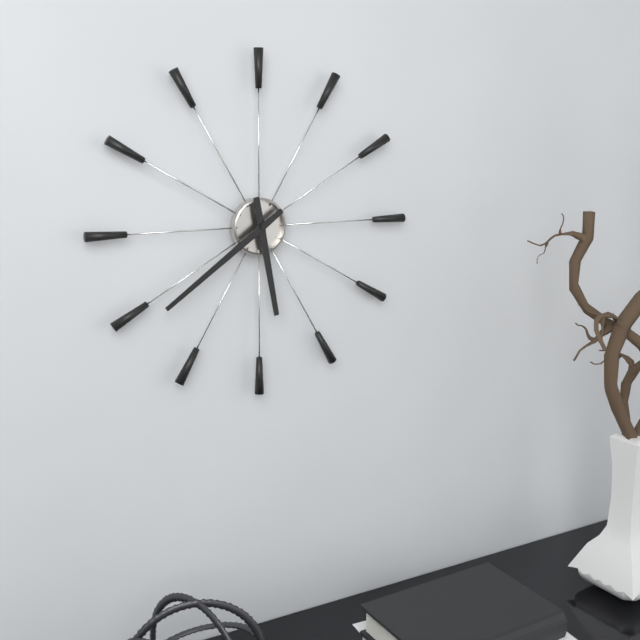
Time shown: 5:39
